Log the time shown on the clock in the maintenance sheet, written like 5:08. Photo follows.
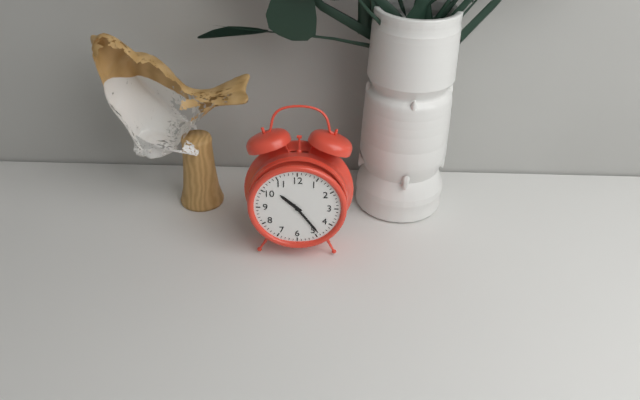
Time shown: 10:24
